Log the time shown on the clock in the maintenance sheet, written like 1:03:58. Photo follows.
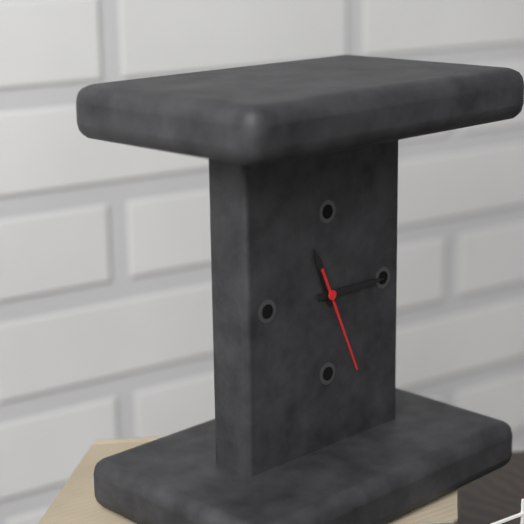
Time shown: 11:15:26
